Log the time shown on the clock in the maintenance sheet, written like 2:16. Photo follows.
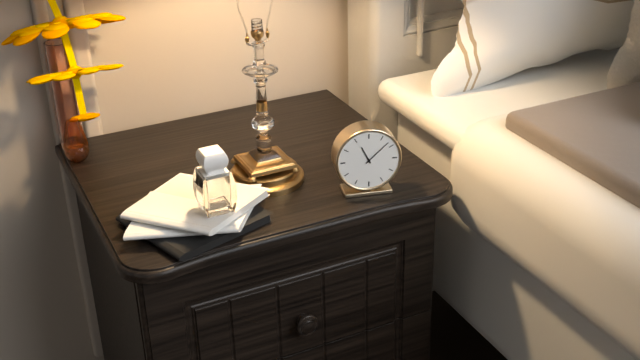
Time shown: 11:08
